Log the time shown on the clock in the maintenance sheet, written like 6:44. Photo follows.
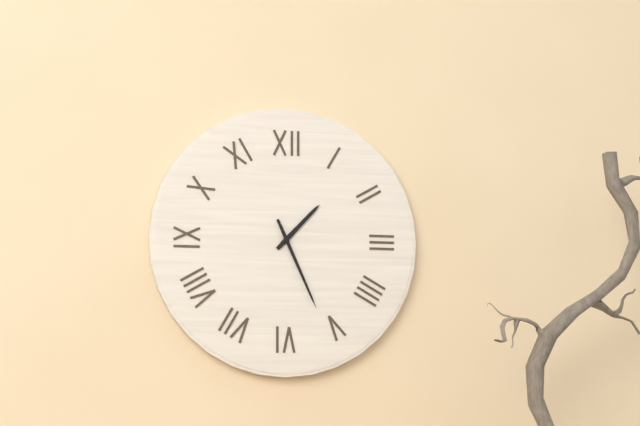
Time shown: 1:26
